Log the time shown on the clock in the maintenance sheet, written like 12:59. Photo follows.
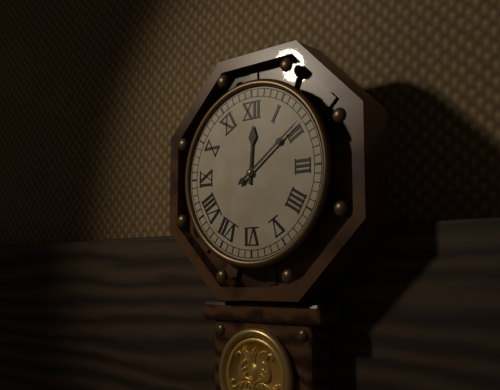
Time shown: 12:09
